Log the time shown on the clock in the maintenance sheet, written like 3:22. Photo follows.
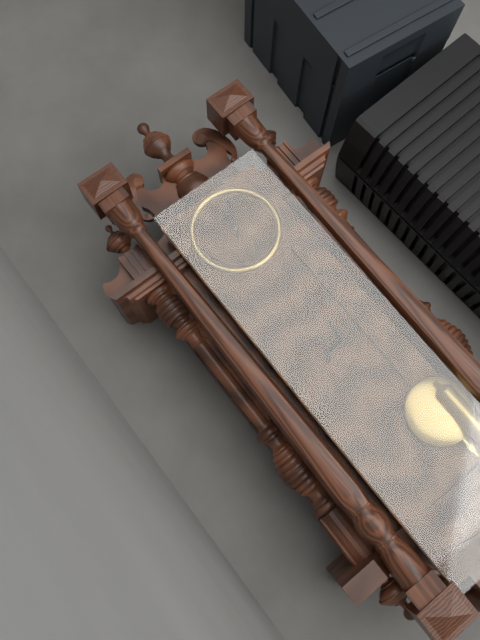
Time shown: 12:04
